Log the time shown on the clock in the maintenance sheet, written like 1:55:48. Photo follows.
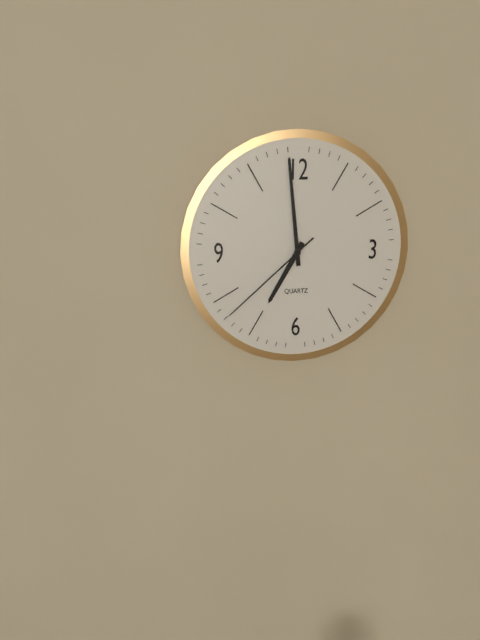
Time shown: 6:59:38
